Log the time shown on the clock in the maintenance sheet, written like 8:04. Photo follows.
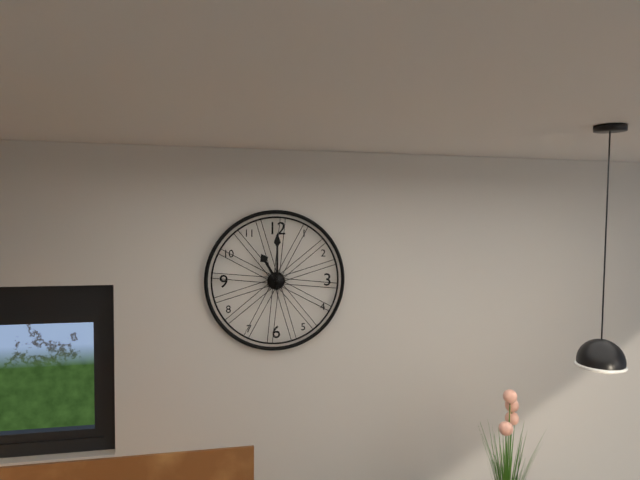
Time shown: 11:00
